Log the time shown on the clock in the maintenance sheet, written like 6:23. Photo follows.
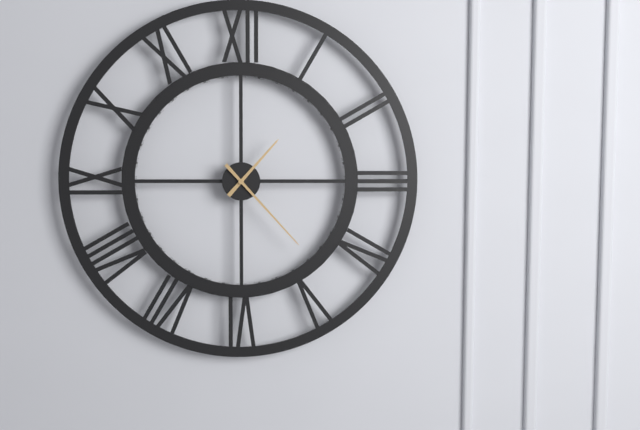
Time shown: 1:23
